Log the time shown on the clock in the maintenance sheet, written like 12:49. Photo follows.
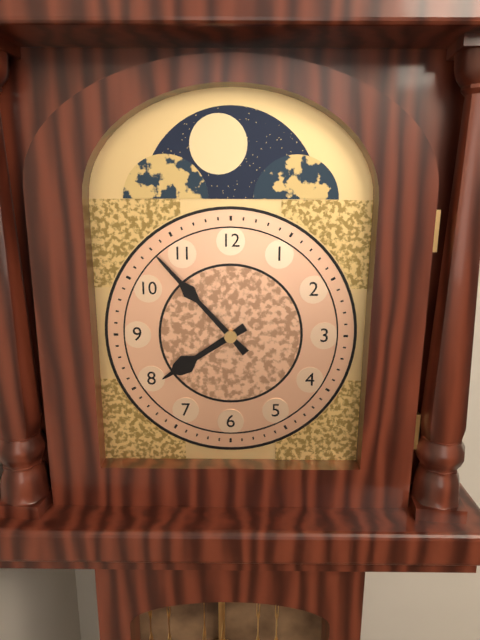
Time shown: 7:53
